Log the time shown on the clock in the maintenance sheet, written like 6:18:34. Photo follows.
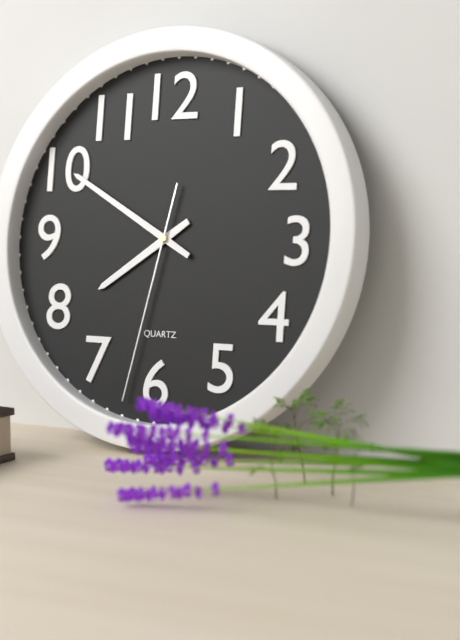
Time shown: 7:50:32
